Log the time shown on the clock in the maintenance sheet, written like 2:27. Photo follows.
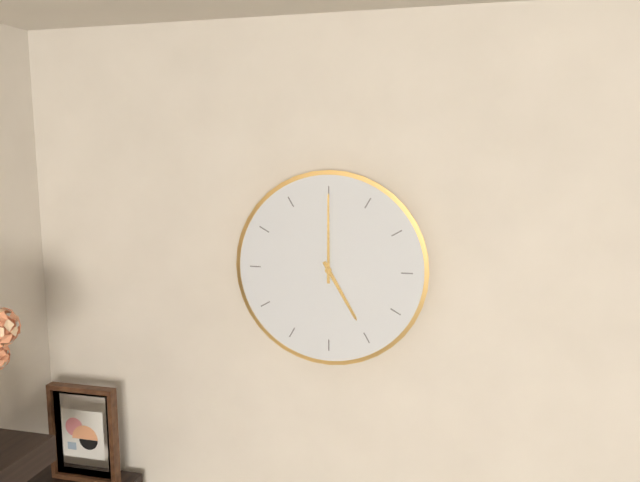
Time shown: 5:00
